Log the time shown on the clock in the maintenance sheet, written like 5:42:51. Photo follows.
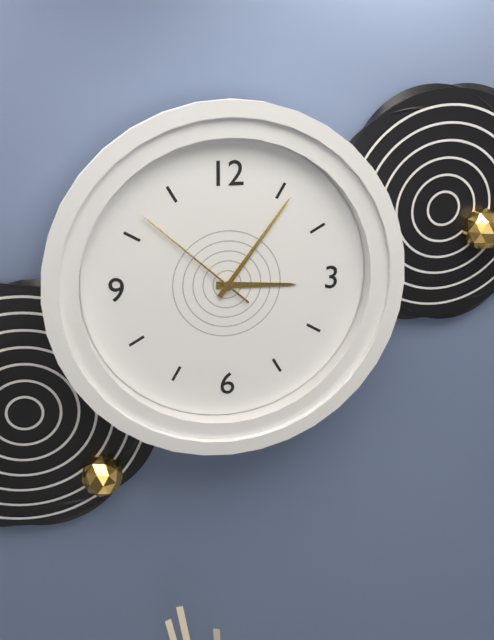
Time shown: 3:06:52
